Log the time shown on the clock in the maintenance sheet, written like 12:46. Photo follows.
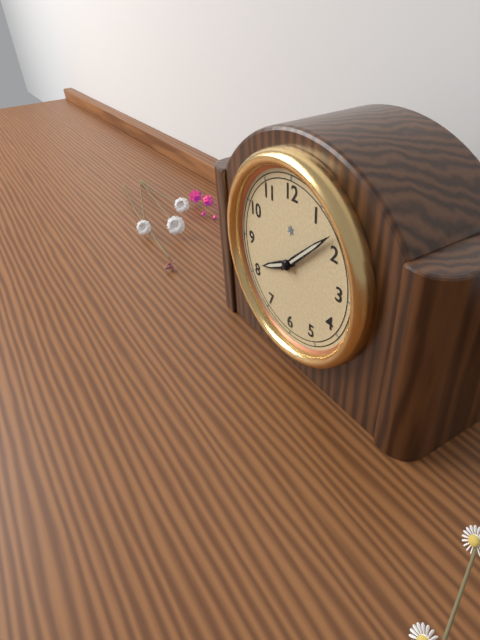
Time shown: 8:08
